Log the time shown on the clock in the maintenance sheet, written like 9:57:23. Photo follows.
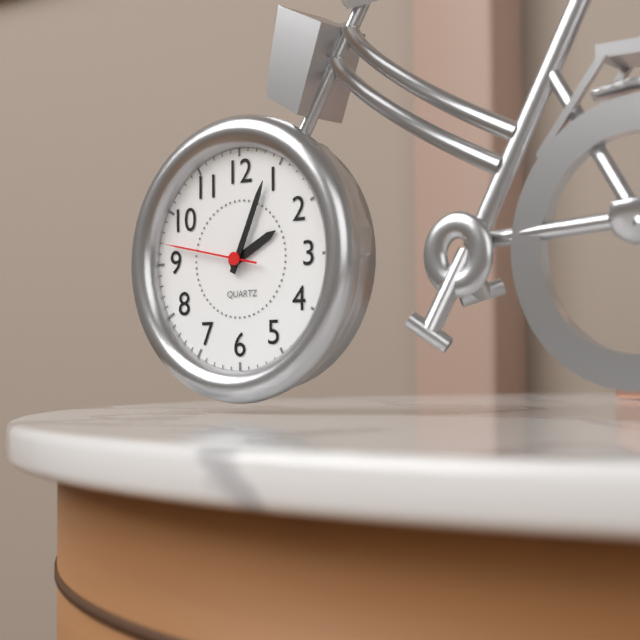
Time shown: 2:04:47
